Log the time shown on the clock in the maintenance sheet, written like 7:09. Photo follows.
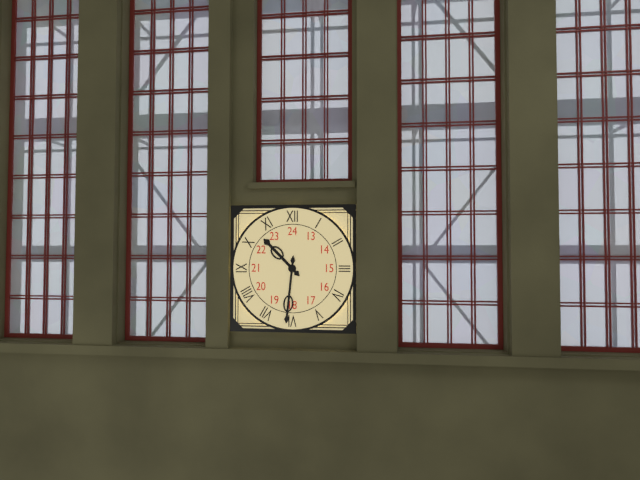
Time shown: 10:31
